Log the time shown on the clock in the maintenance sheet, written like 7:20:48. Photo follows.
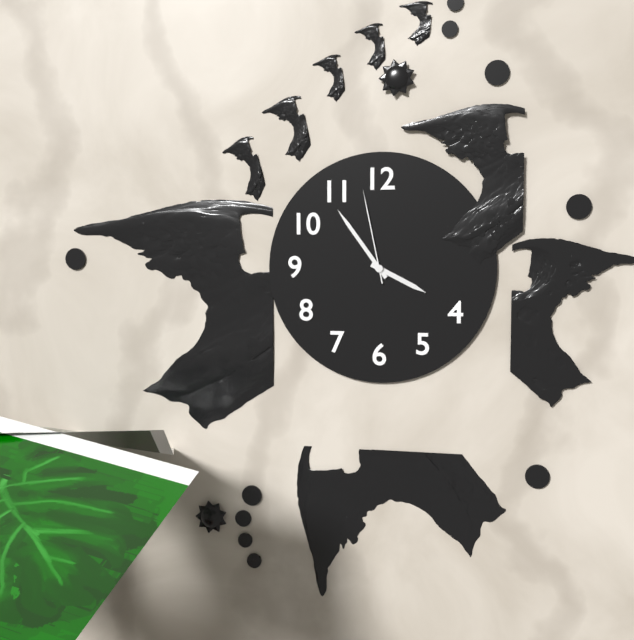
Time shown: 3:54:58
